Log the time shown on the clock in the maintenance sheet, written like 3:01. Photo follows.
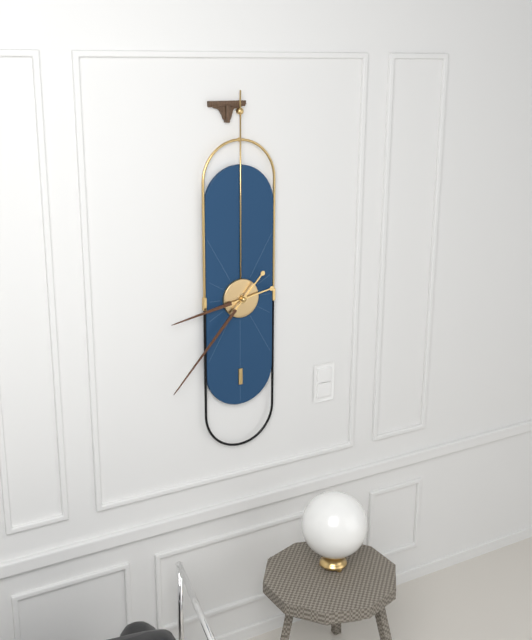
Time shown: 8:37
